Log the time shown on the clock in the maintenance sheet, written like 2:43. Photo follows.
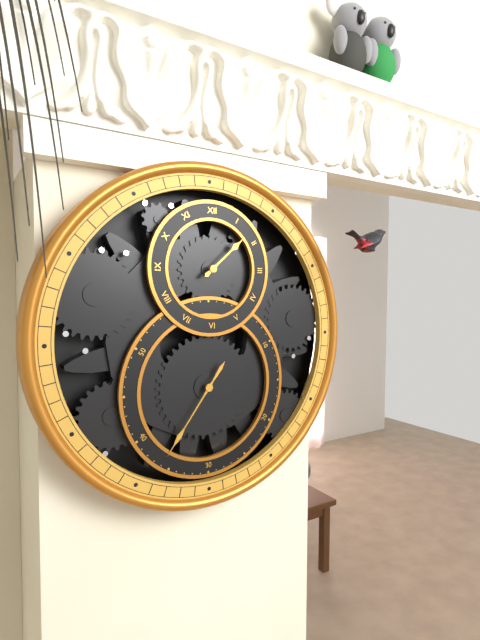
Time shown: 1:36
